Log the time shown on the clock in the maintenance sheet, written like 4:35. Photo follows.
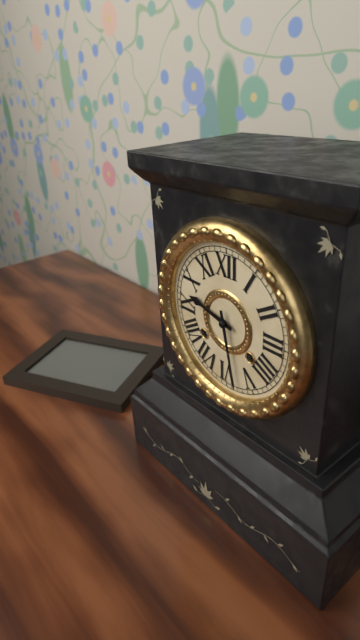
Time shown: 9:28
